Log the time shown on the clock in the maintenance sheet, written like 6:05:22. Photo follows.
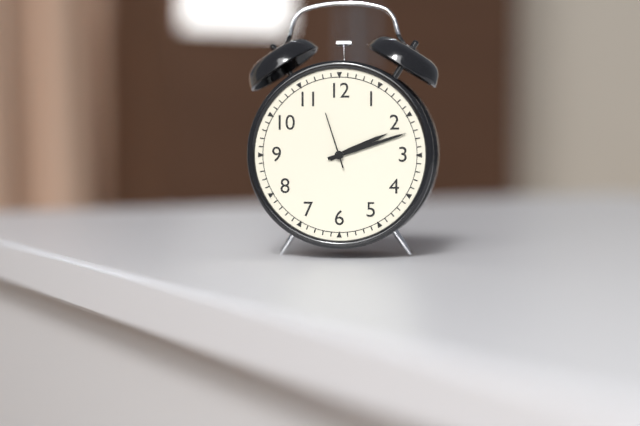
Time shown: 2:12:57
